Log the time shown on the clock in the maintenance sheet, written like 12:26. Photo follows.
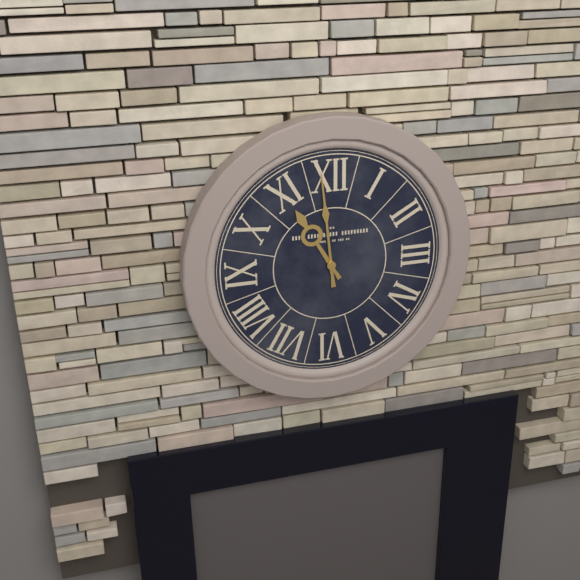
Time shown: 10:59
